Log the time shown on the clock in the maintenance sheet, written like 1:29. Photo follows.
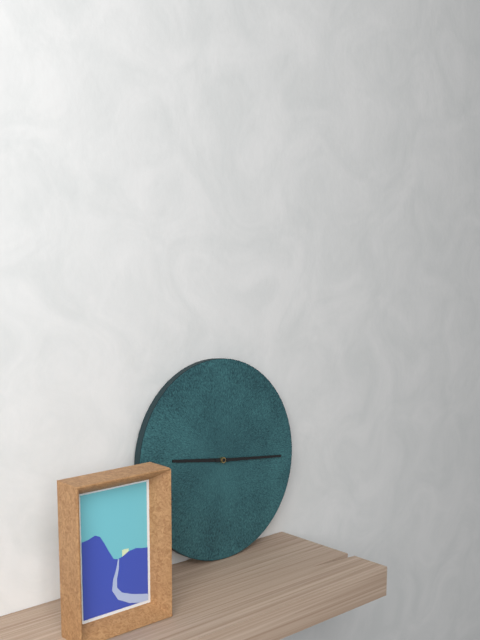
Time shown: 9:16
